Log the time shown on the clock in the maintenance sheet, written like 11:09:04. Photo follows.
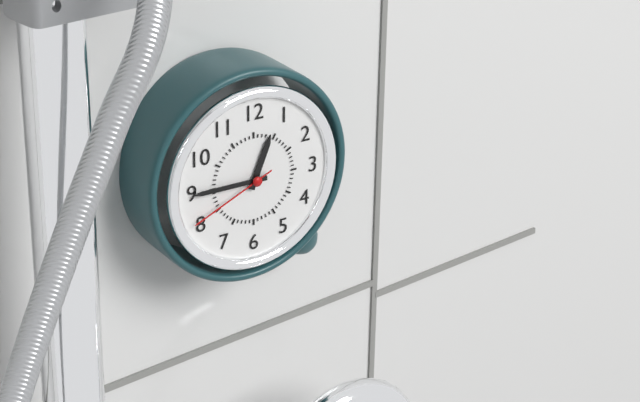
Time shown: 12:45:41
